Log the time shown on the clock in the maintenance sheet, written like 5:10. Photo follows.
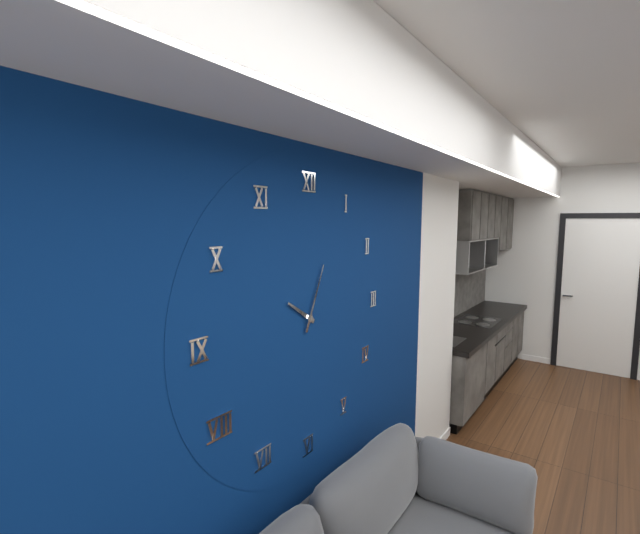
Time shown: 10:04
